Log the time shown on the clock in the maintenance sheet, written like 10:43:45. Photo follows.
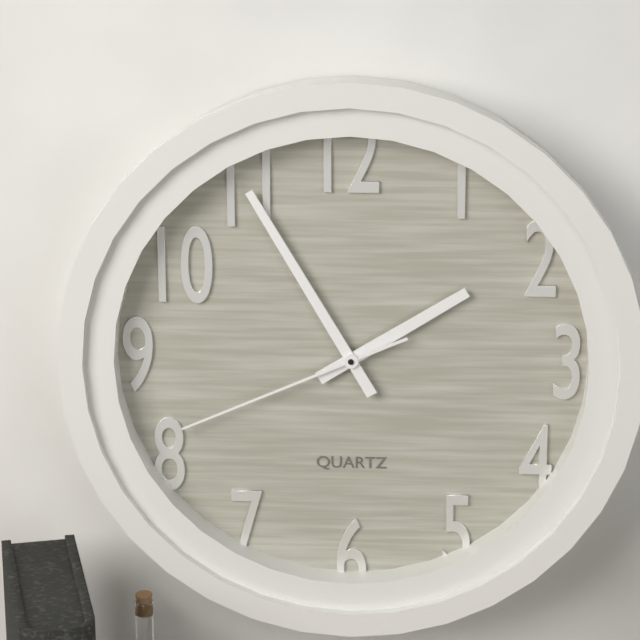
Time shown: 1:55:41
